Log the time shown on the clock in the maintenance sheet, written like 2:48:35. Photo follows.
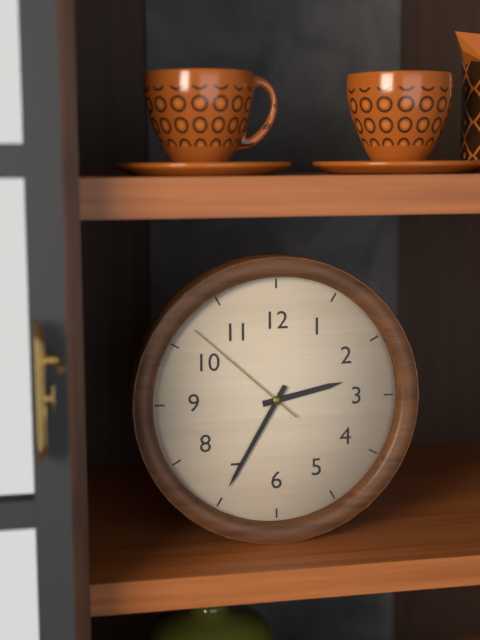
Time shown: 2:35:52
